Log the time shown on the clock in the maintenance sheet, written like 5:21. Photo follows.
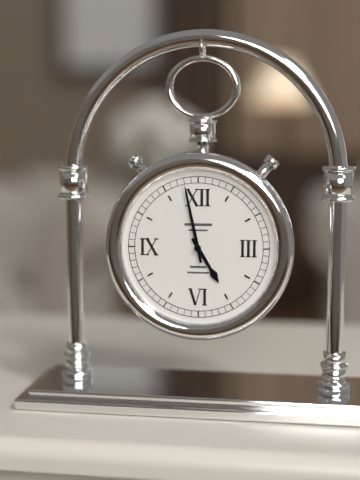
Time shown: 4:58
